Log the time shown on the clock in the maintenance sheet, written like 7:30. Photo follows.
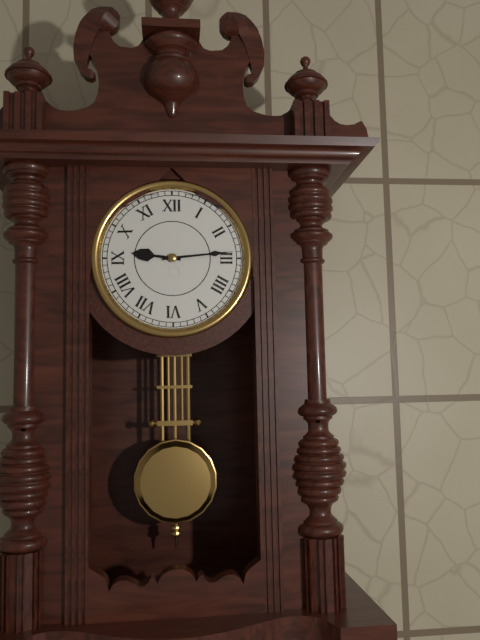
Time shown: 9:14
